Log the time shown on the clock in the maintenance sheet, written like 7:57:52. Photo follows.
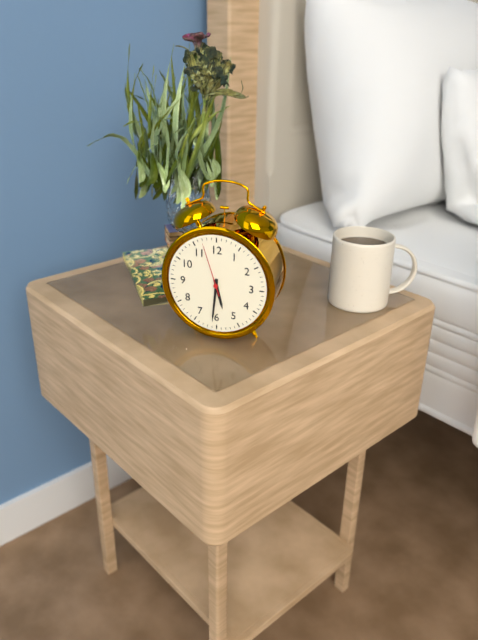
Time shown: 5:31:57
